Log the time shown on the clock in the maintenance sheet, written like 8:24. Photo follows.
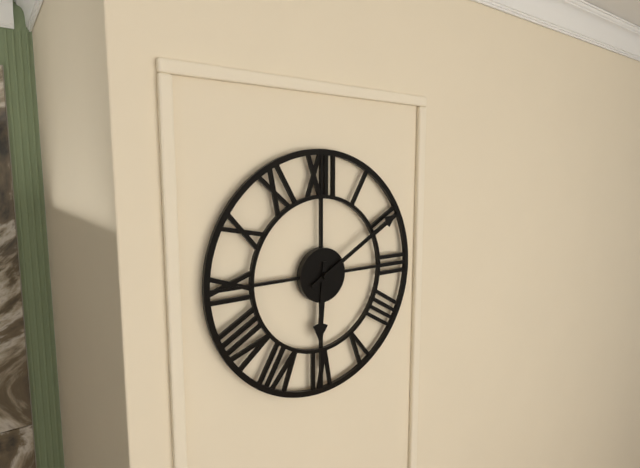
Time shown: 6:10
